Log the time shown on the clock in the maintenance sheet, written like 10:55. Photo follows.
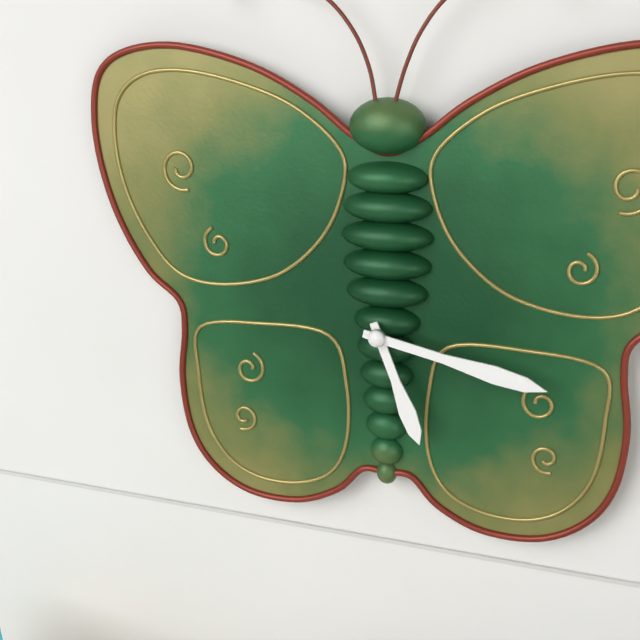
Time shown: 5:17
